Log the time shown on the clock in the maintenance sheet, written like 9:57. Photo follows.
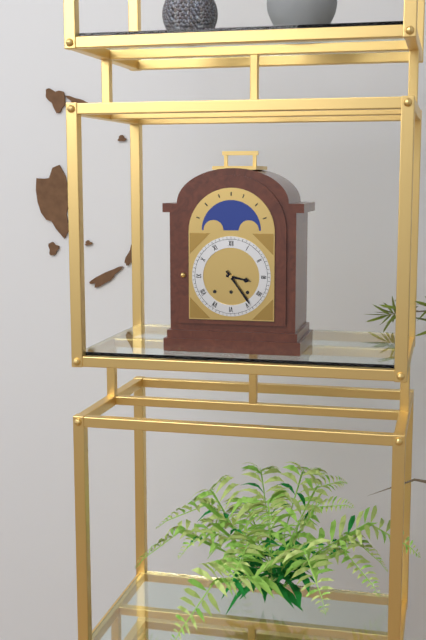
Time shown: 3:24
